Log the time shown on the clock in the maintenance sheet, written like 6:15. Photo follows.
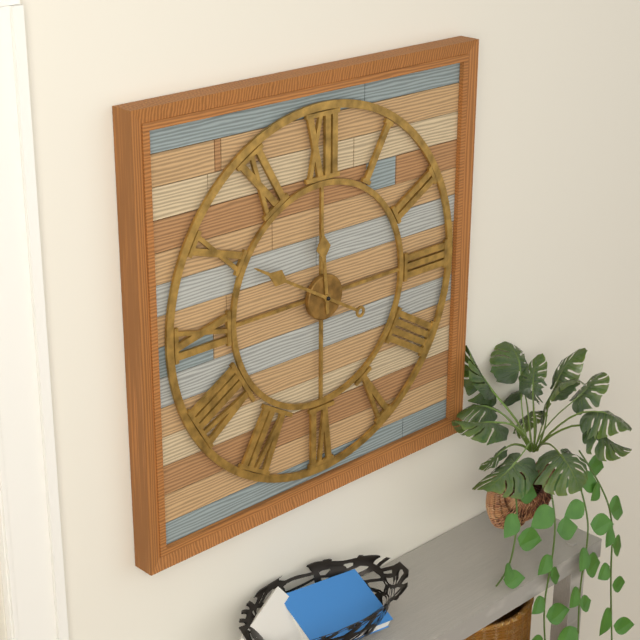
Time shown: 11:50
